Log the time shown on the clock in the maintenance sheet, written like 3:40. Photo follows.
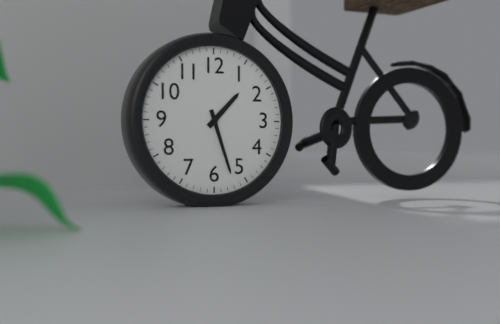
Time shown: 1:27
